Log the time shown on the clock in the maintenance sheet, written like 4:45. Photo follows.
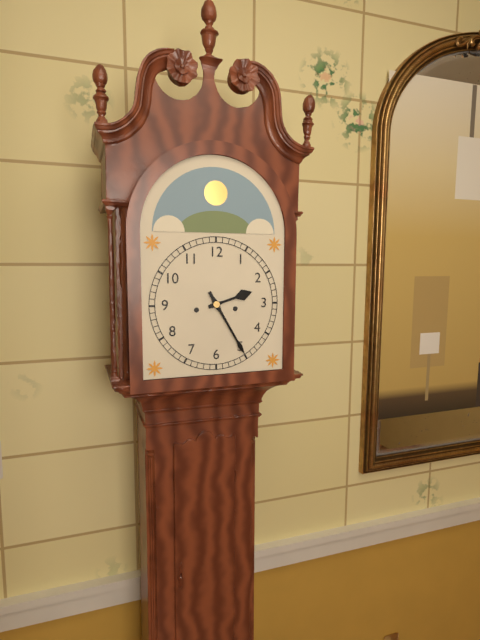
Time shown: 2:25
